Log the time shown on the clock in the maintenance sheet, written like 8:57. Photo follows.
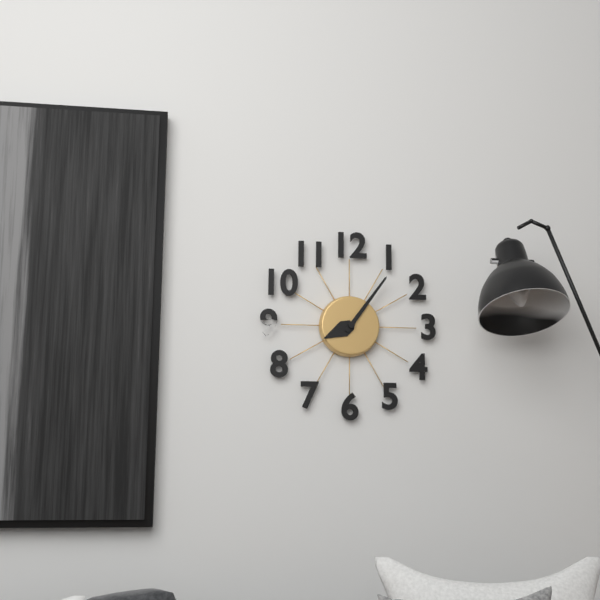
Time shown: 8:06
